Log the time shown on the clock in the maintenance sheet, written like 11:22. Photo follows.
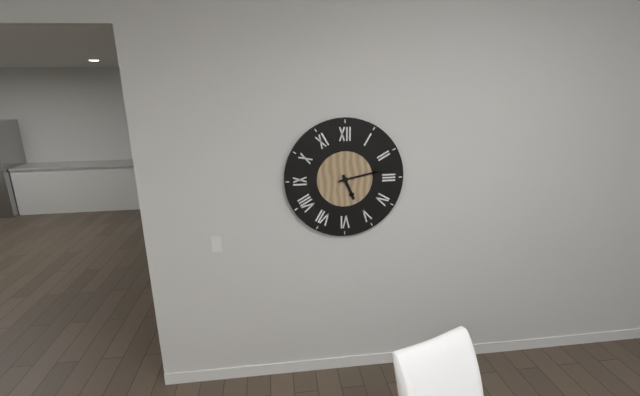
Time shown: 5:13
